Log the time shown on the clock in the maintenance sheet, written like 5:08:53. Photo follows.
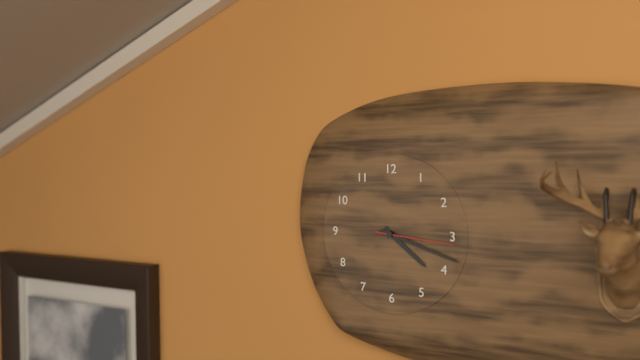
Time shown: 4:18:16
